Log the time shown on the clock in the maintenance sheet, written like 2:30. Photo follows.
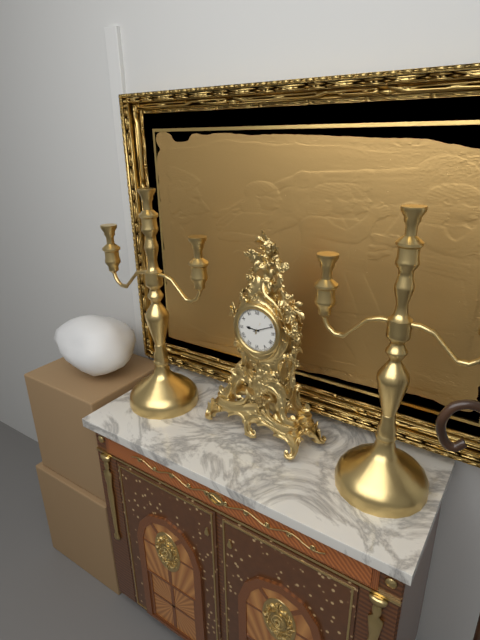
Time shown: 9:11
